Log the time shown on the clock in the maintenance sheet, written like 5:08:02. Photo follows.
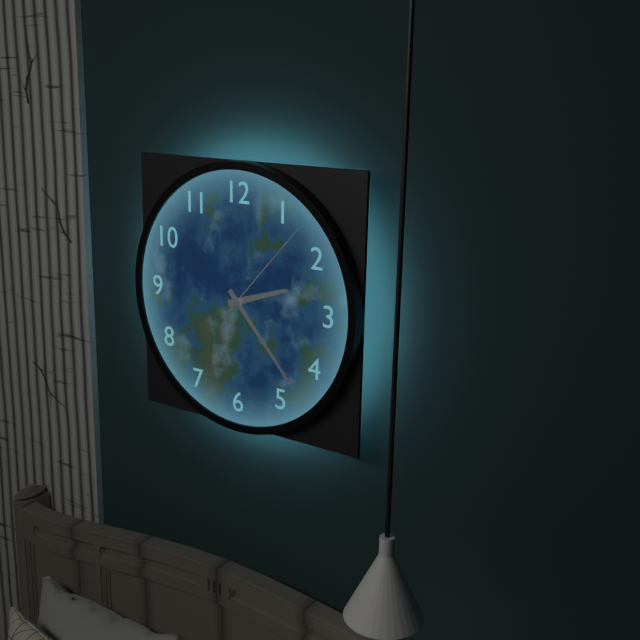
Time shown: 2:23:07
